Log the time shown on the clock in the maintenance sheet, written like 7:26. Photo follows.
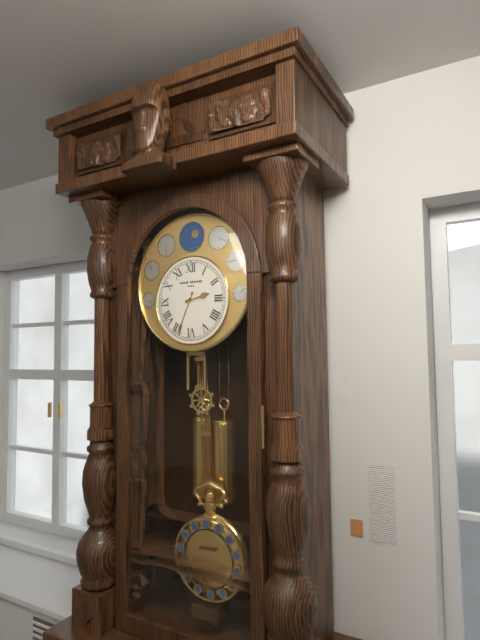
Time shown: 2:34
